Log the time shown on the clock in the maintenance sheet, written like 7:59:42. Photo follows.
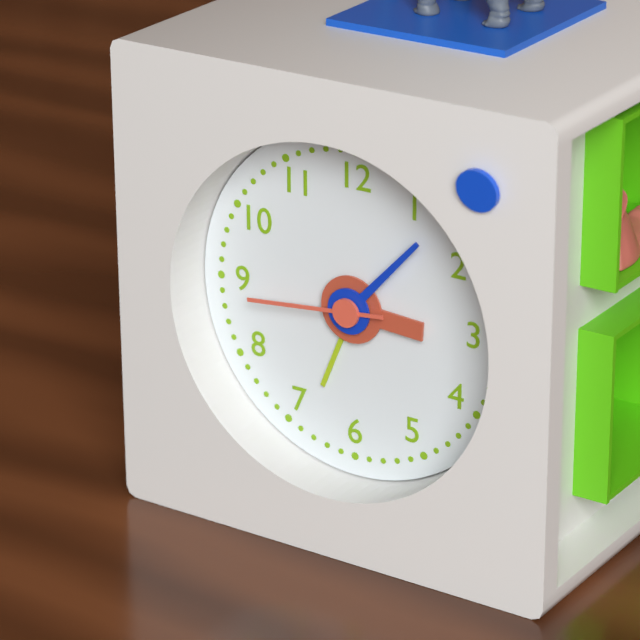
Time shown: 3:07:44
